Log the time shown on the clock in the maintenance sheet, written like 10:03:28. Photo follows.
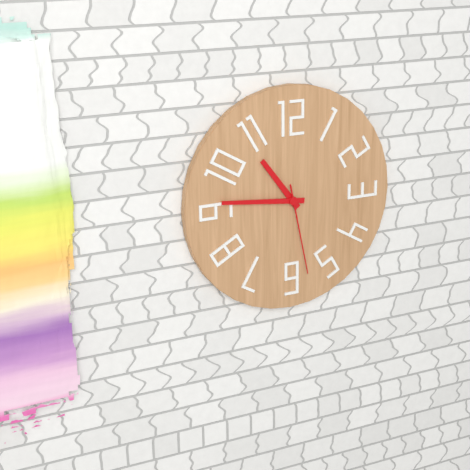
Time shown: 10:46:28
